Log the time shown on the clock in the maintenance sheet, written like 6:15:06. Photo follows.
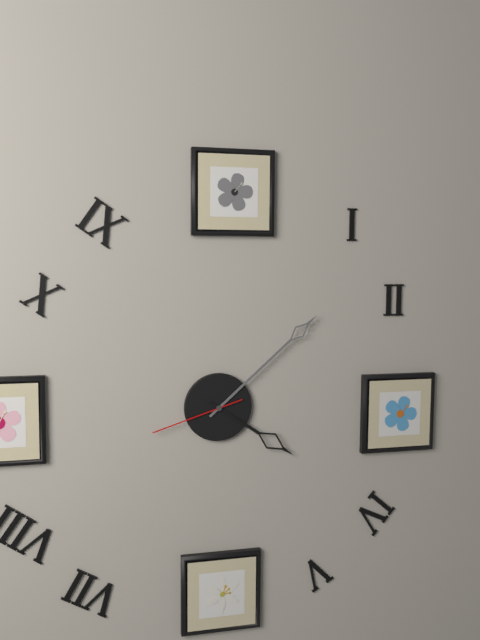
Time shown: 4:08:42
